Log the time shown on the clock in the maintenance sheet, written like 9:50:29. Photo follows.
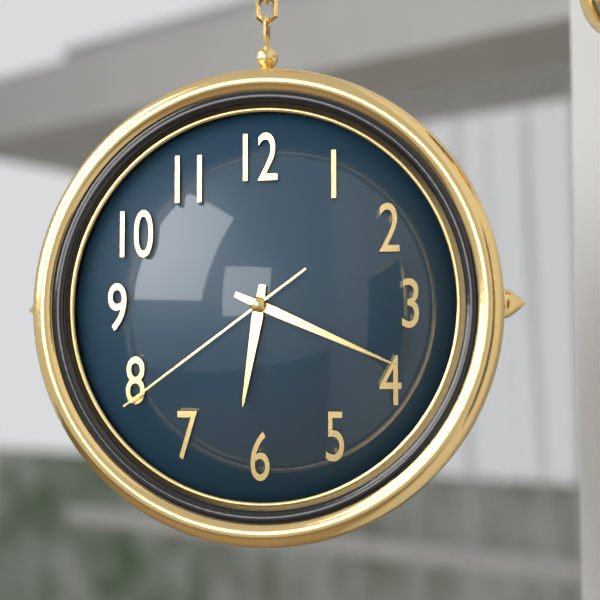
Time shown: 6:19:39
